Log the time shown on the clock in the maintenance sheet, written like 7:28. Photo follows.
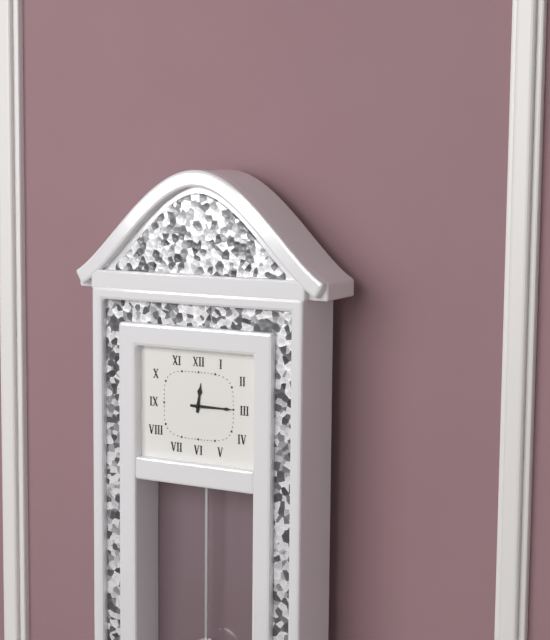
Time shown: 12:15
